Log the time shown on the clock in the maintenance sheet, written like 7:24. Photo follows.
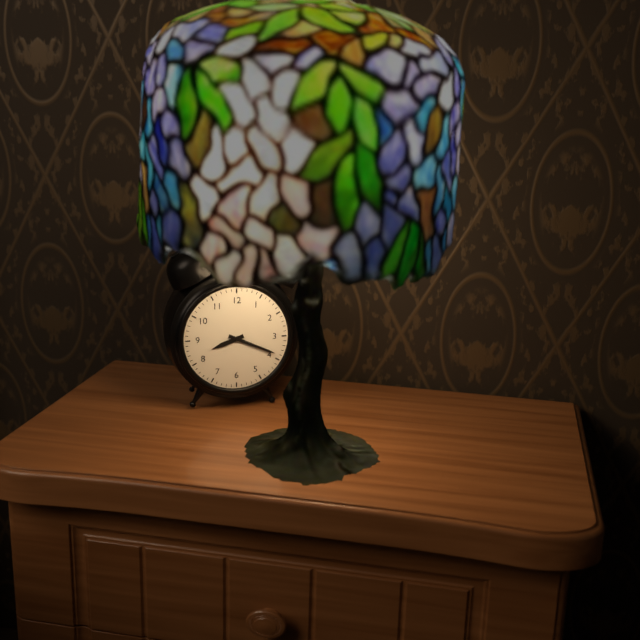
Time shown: 8:19
